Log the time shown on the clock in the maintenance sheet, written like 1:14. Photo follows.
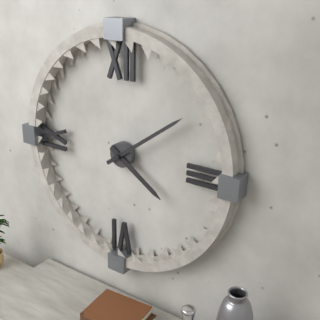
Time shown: 4:09
